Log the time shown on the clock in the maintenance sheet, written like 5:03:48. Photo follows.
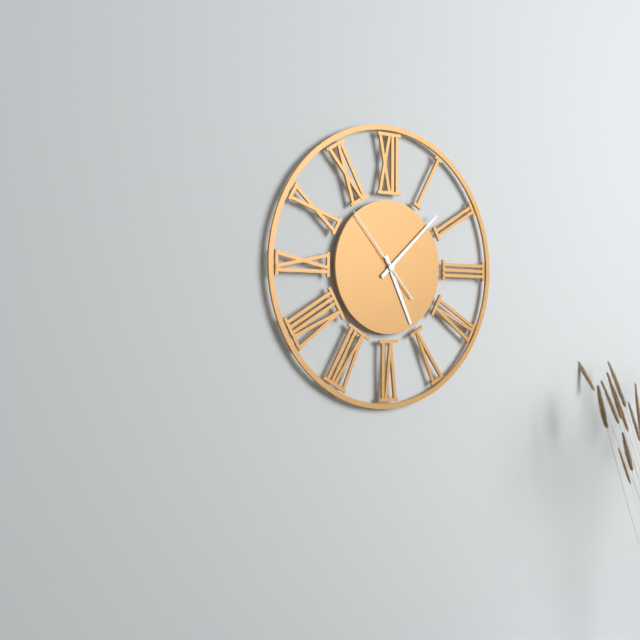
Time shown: 5:08:53
